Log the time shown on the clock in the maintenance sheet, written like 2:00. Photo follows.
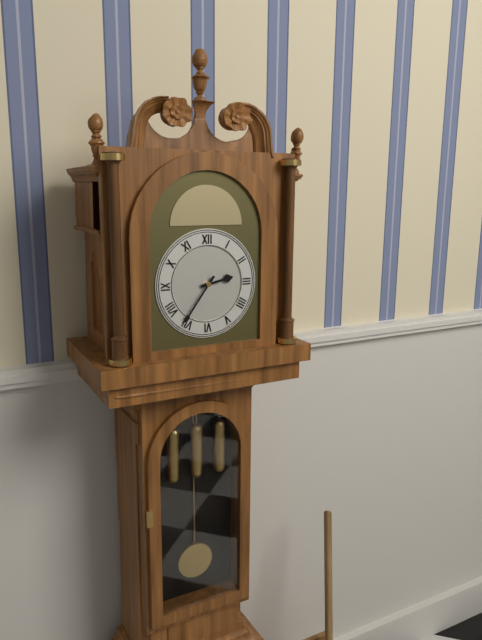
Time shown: 2:36
